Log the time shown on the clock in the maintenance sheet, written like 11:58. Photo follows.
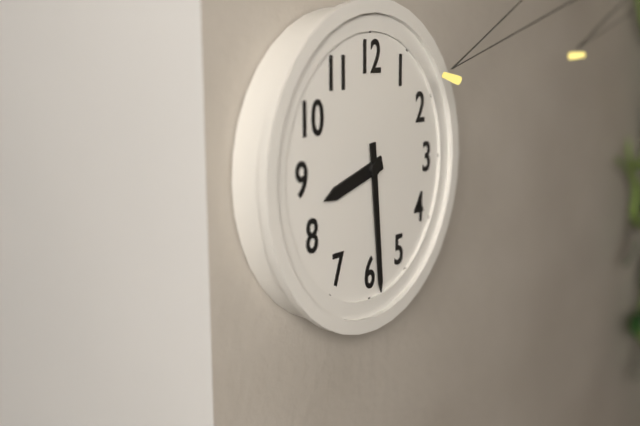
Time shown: 8:29
